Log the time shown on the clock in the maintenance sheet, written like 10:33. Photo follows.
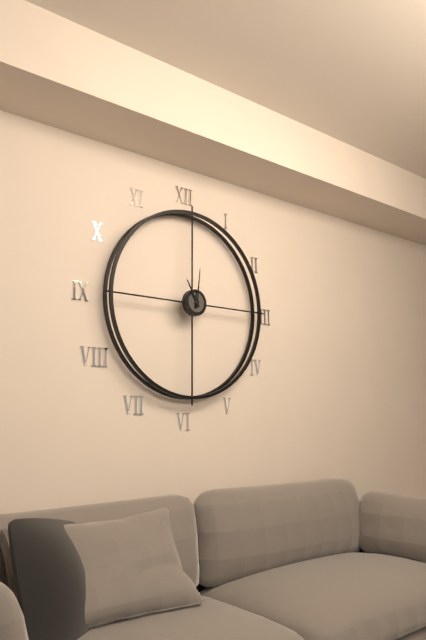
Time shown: 11:01
